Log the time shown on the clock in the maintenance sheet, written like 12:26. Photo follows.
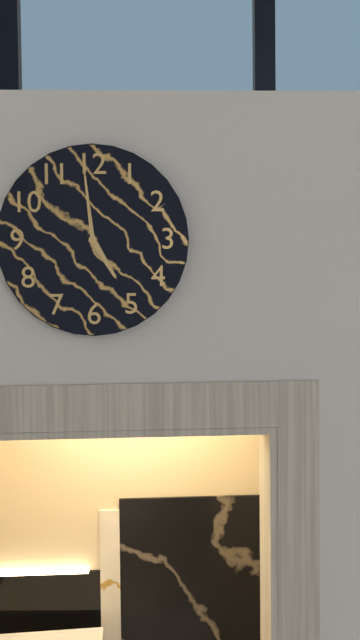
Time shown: 4:59
